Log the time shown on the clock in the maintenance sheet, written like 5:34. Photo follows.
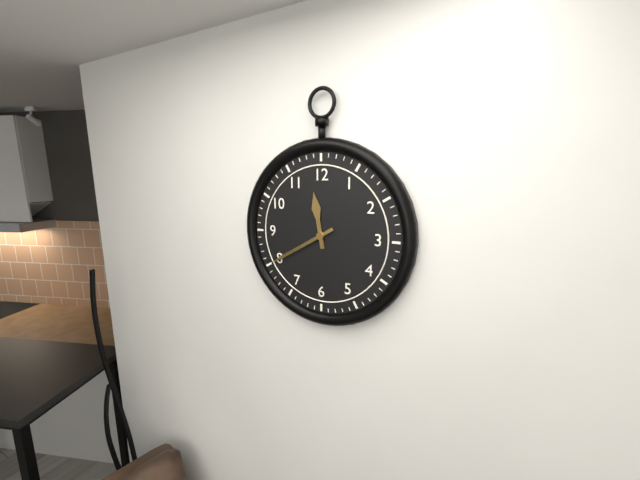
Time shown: 11:40
